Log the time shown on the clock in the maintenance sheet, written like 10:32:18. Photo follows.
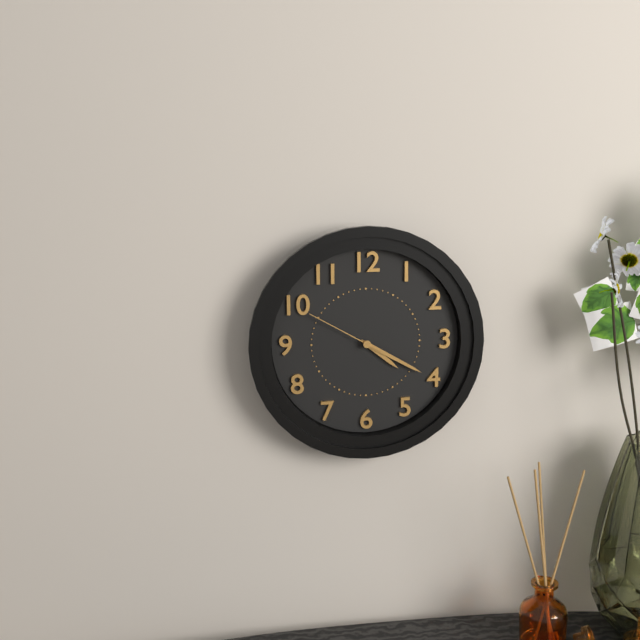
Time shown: 4:20:50
